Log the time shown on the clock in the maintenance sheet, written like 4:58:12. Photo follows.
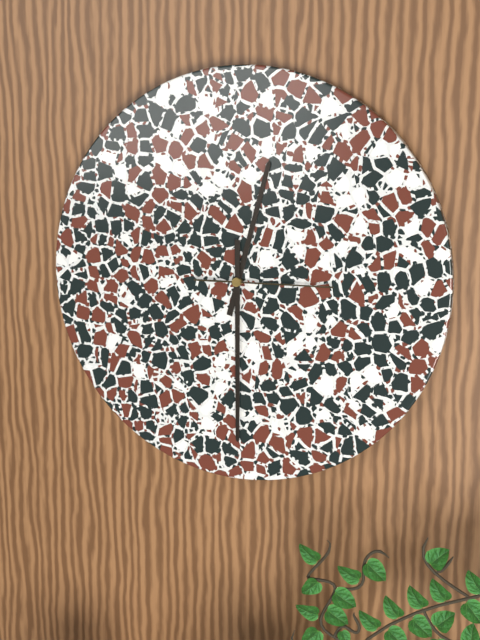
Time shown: 12:30:15
